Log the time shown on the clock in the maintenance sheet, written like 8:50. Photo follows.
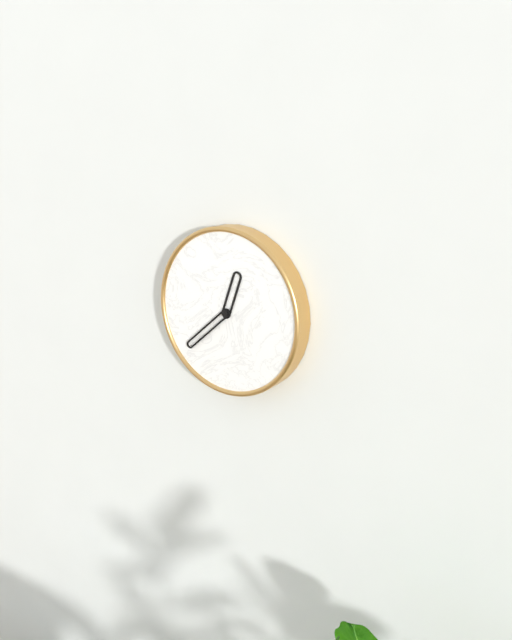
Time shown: 12:38
